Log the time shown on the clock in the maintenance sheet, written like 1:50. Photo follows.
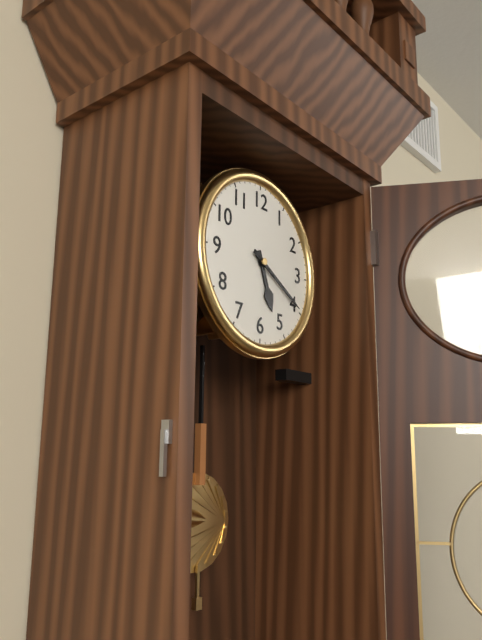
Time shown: 5:20
